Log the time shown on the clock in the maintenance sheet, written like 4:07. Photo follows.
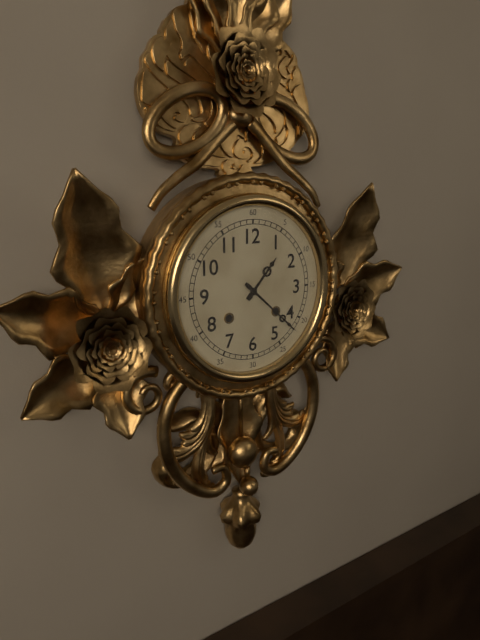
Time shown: 1:22
